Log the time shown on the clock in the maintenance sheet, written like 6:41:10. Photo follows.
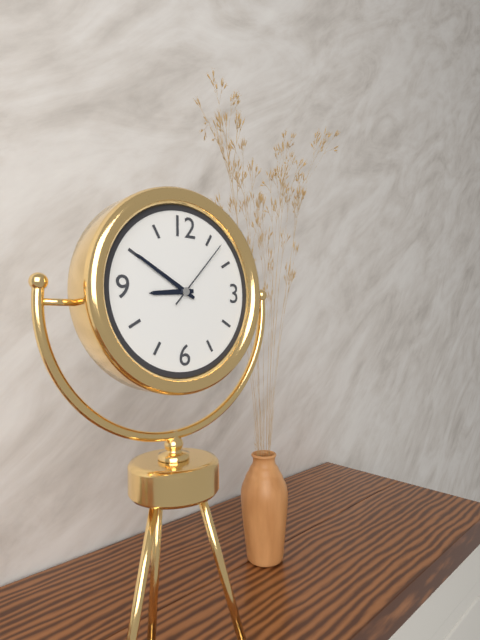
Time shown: 8:50:07
